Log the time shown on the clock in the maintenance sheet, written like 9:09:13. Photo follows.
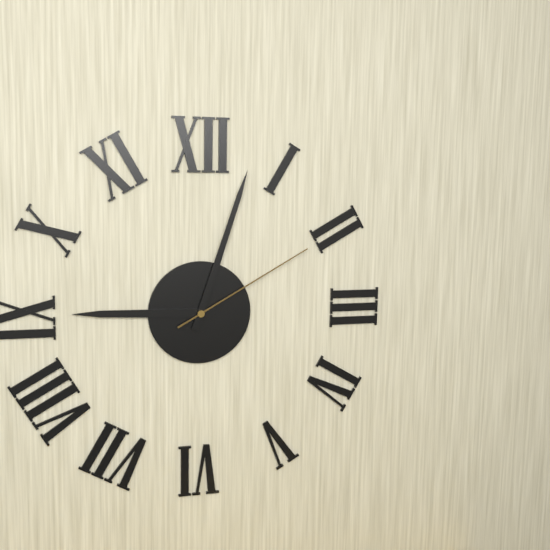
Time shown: 9:03:10
